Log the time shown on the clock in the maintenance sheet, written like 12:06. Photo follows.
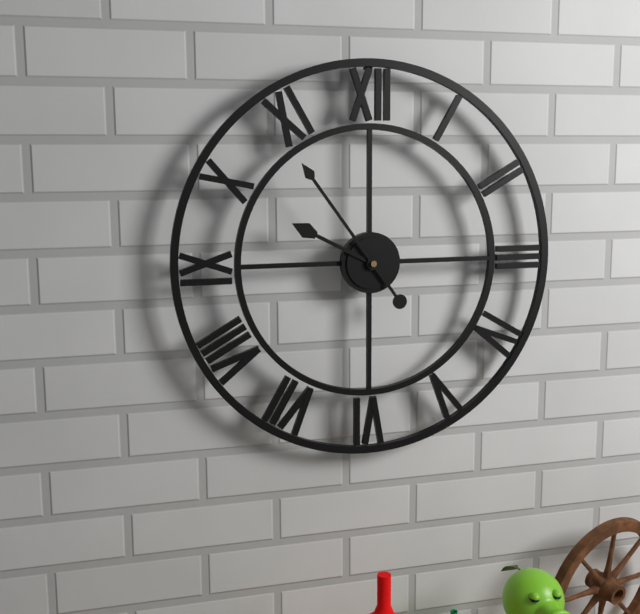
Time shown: 9:54
